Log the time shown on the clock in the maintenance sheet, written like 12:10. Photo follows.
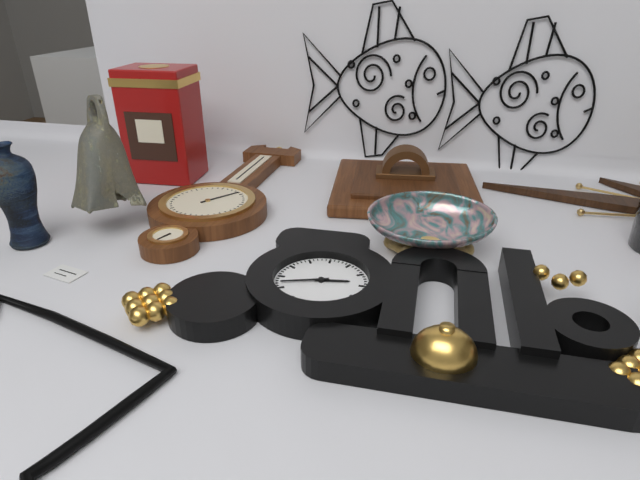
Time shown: 2:42
